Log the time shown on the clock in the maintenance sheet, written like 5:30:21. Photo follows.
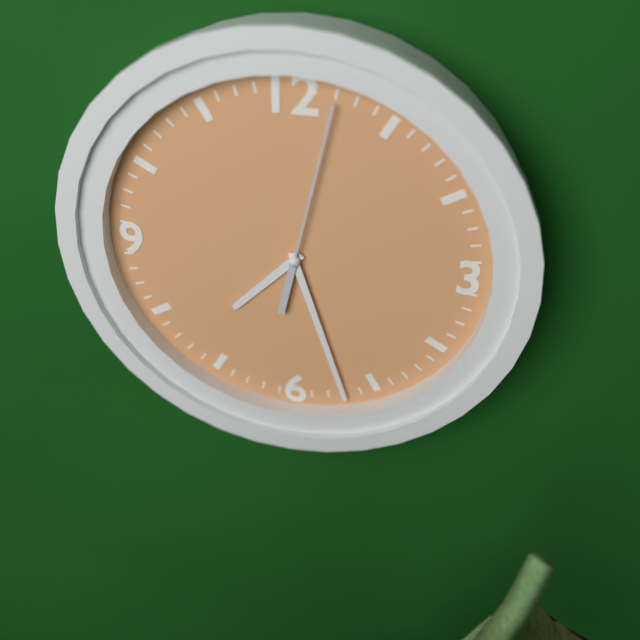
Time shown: 7:27:02
